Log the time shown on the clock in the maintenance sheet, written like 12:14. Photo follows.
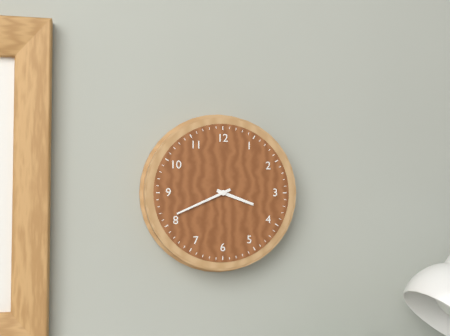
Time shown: 3:41
